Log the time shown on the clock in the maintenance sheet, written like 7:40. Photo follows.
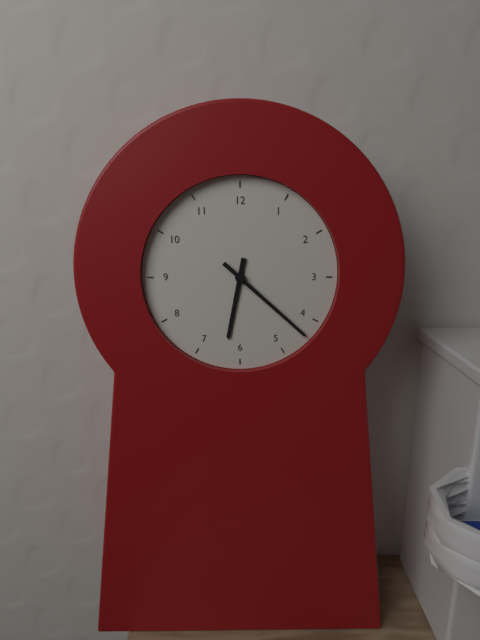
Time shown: 6:22
